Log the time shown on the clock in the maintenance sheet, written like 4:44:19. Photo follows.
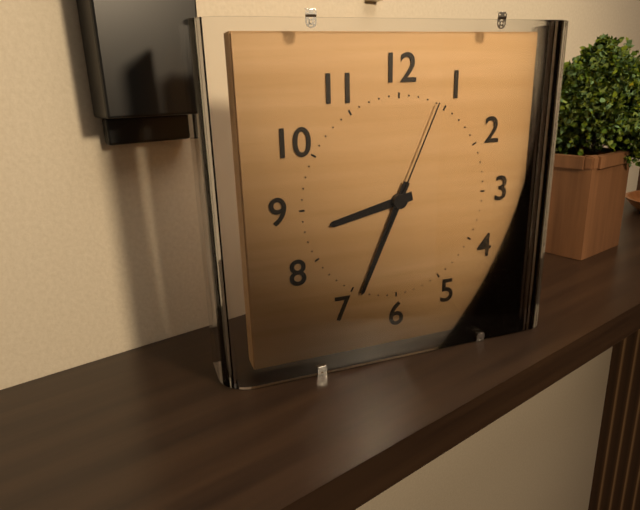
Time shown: 8:34:04
